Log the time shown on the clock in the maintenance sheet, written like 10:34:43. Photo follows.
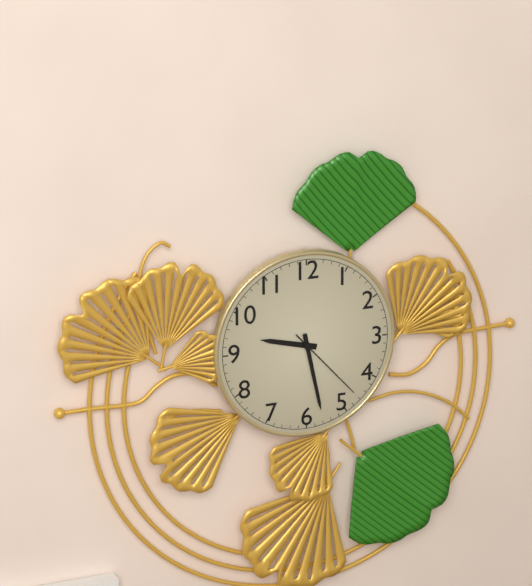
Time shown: 9:28:23
